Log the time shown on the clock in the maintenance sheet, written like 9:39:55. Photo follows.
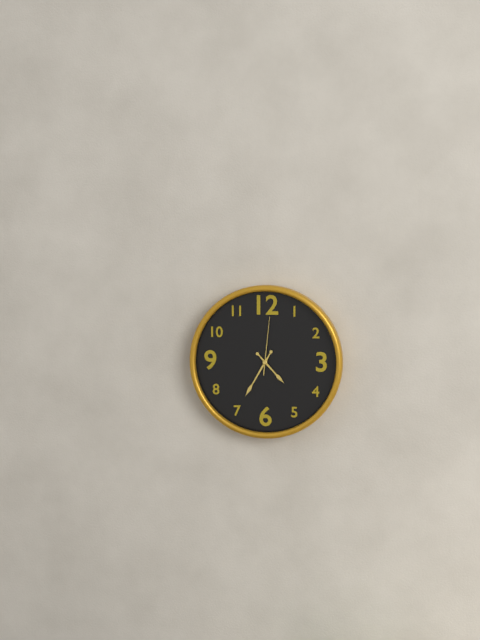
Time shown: 4:35:01
